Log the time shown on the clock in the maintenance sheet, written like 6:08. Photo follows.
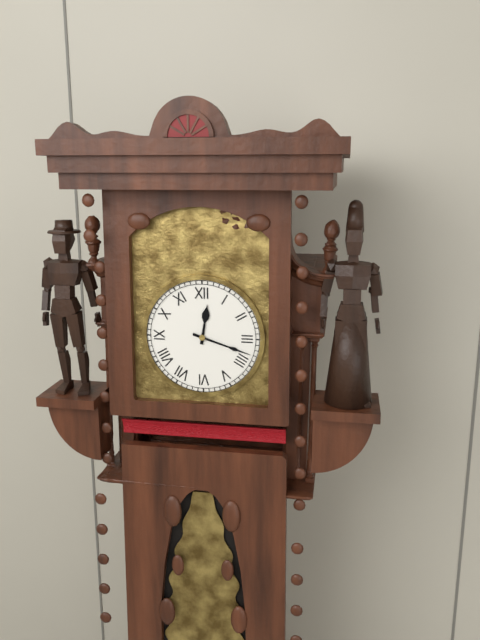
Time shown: 12:18
